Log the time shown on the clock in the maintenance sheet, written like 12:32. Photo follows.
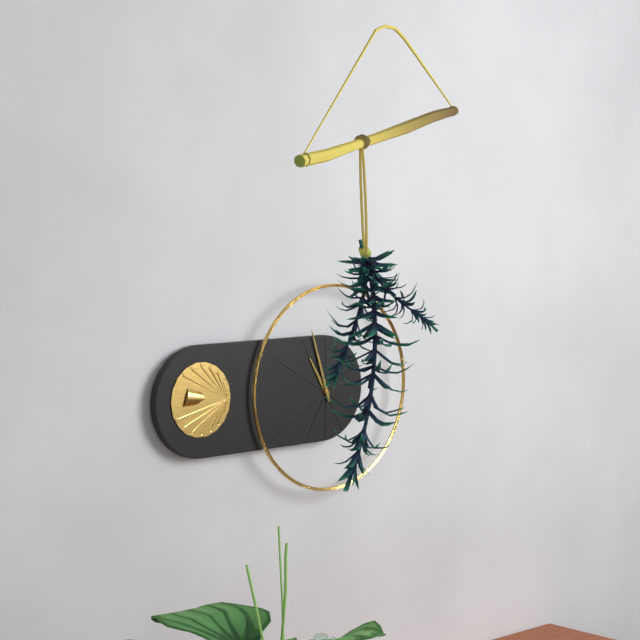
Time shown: 10:57
